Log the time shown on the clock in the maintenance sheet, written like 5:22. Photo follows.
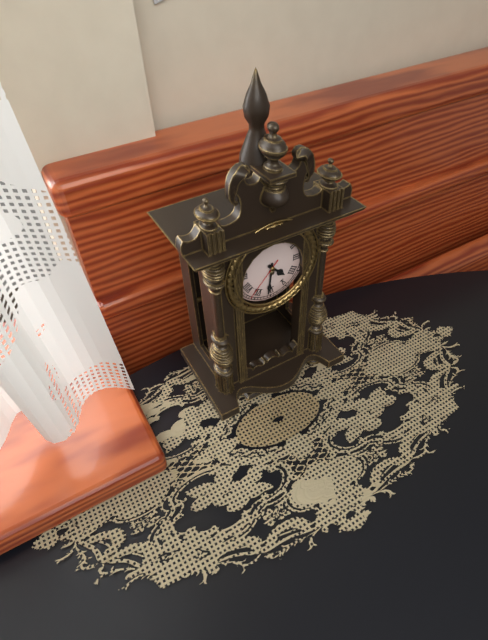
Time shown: 4:31
